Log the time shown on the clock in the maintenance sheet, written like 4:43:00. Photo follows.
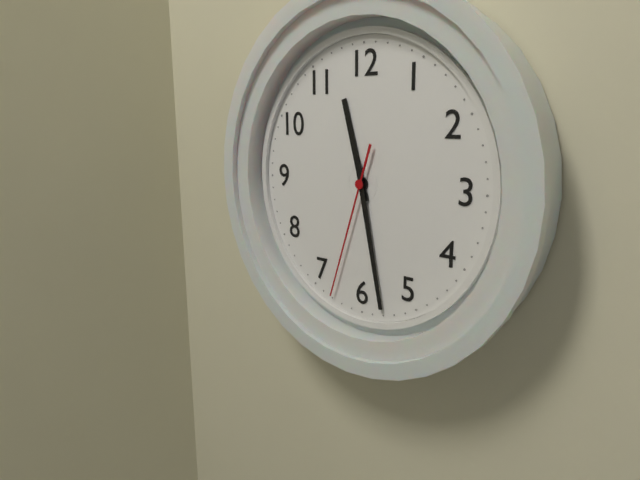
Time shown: 11:28:33
